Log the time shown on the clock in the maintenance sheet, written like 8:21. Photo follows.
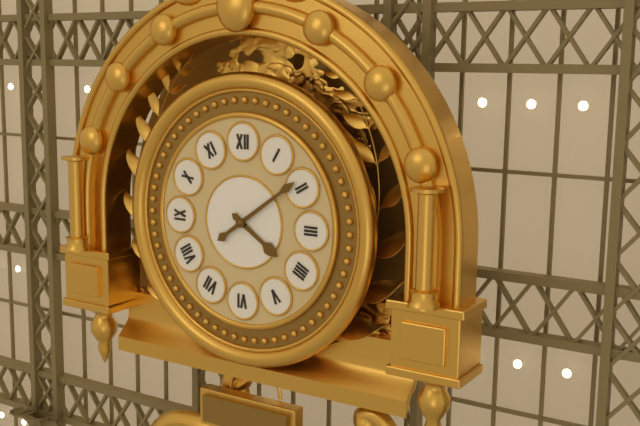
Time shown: 4:09
